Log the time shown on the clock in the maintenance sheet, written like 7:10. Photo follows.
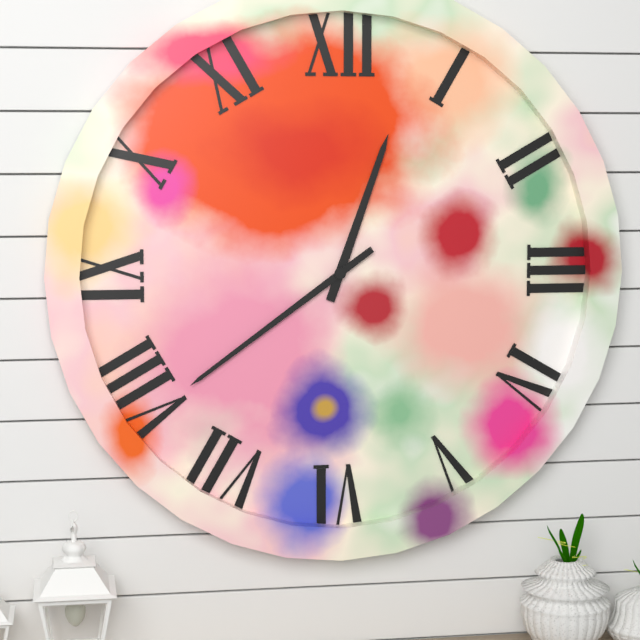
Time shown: 12:39
